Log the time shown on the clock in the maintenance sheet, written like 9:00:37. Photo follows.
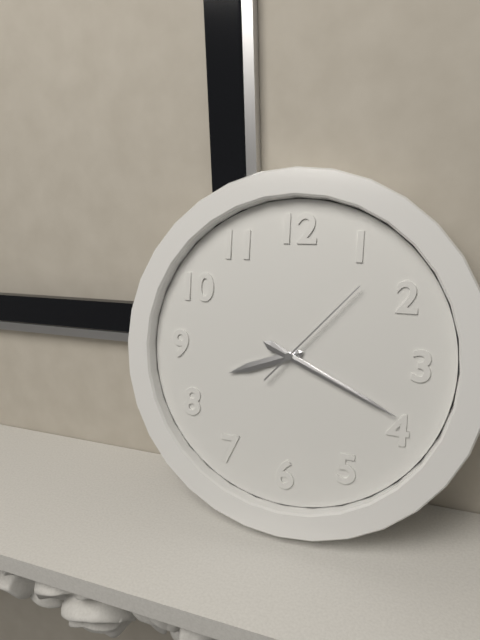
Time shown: 8:19:07
